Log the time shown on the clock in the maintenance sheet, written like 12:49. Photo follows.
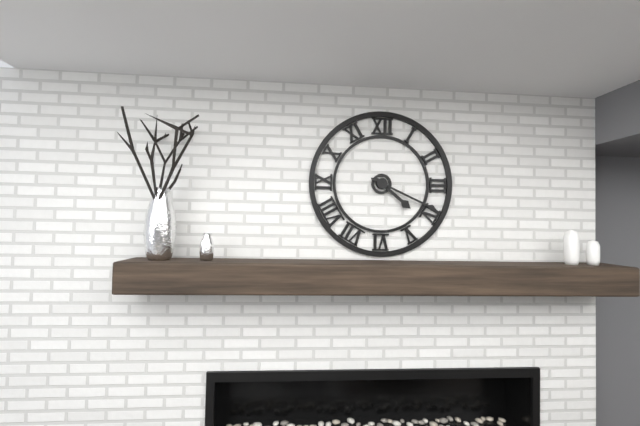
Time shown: 4:19
